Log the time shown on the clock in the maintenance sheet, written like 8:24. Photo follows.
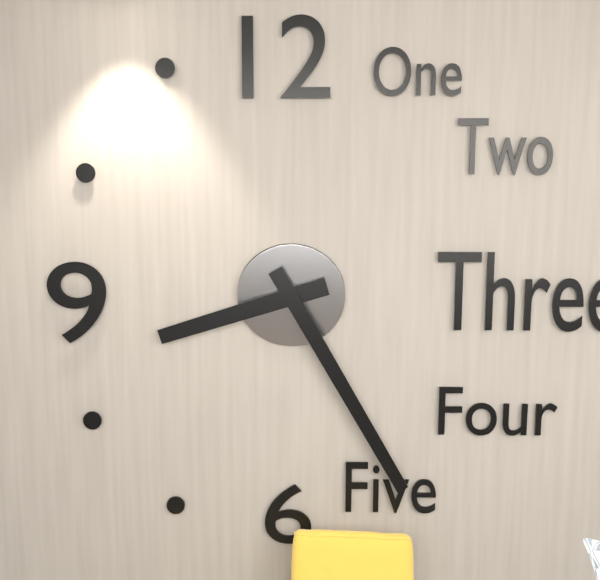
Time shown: 8:25
